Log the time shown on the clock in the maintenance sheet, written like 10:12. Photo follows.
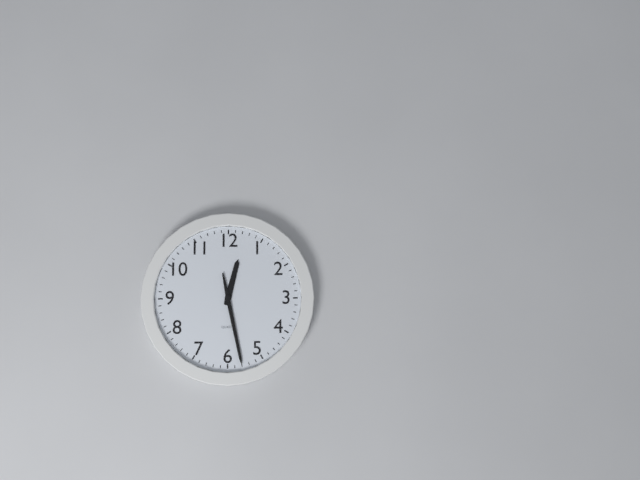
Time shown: 12:28
